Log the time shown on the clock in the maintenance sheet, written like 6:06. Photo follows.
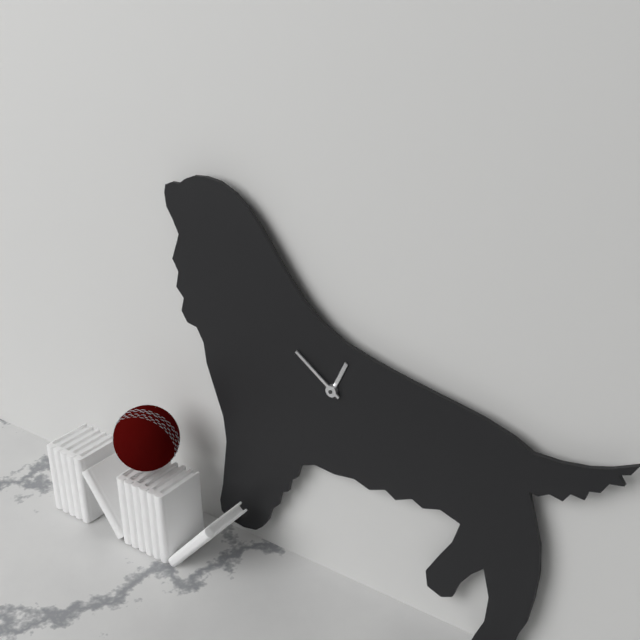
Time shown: 12:51
